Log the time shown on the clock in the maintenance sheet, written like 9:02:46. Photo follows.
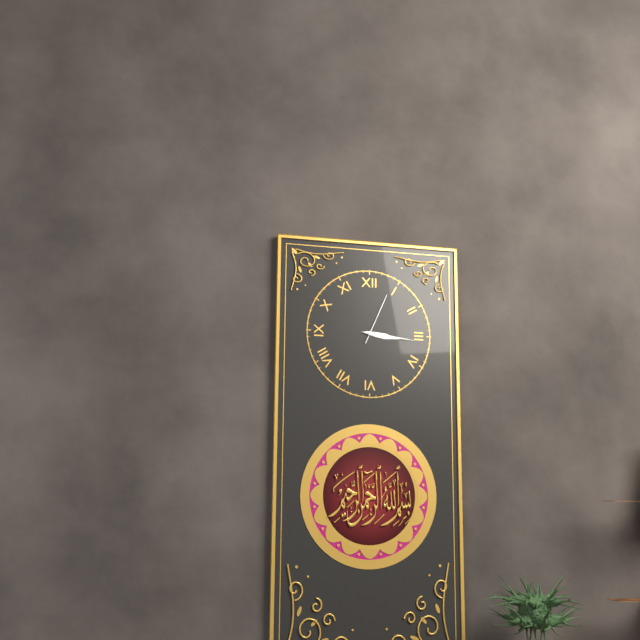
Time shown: 3:16:04
